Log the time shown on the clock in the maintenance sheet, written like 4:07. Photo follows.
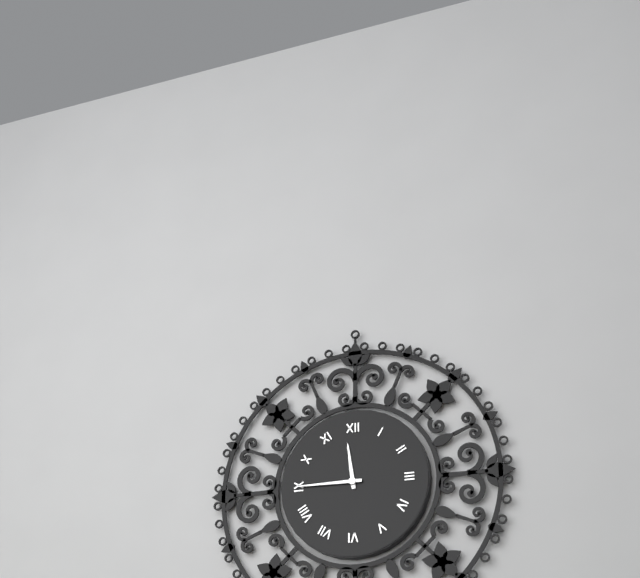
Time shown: 11:45
